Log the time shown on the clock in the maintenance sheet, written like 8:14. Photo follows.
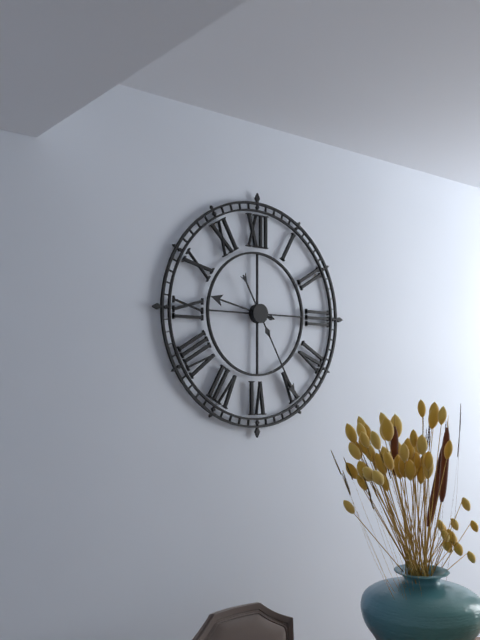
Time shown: 9:25
